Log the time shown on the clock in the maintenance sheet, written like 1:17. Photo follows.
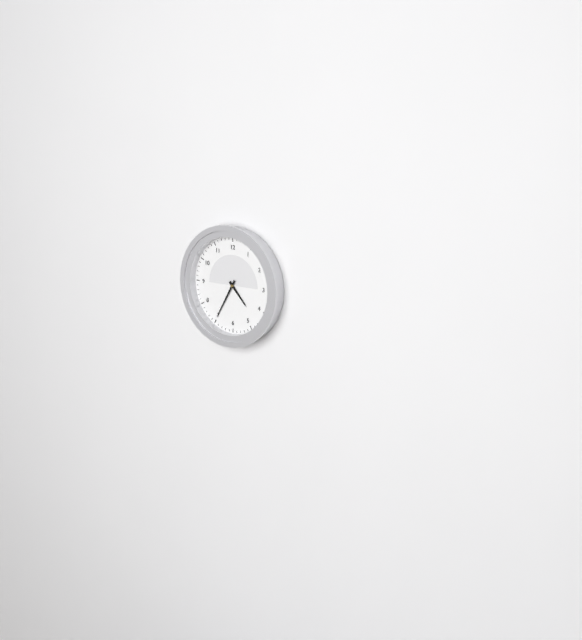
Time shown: 4:35
